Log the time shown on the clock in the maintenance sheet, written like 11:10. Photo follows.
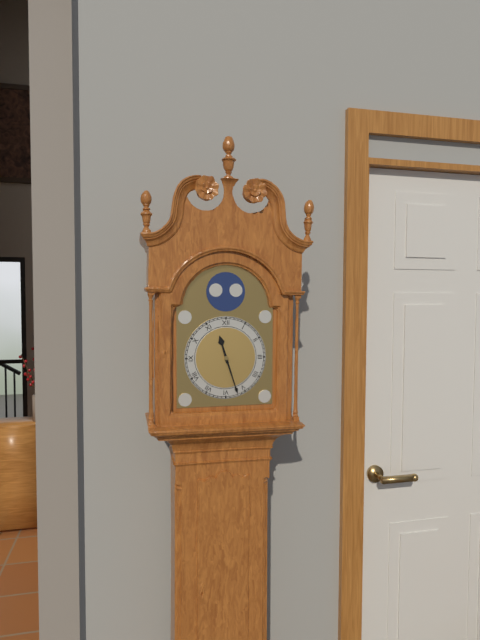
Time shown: 11:27
